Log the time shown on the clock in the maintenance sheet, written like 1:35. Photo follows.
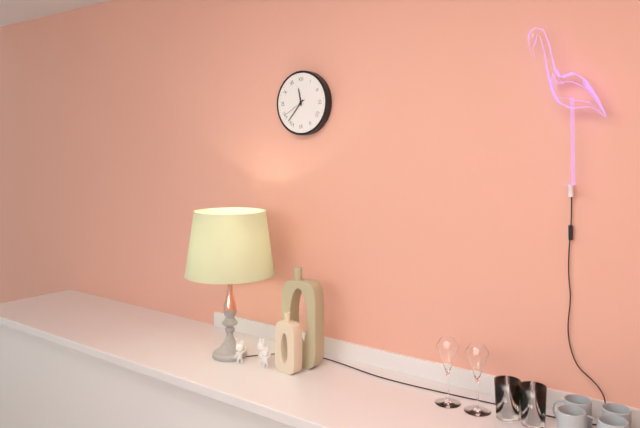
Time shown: 11:37
